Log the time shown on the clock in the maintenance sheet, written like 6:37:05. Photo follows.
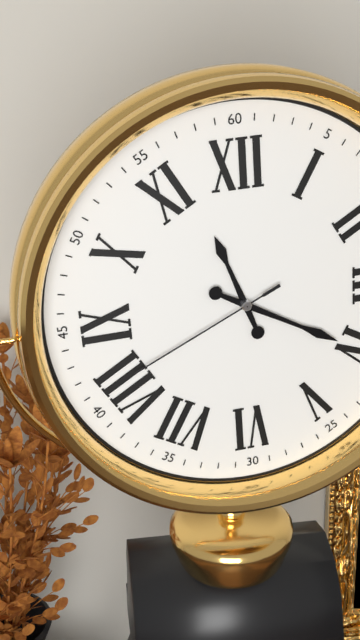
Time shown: 11:20:41
